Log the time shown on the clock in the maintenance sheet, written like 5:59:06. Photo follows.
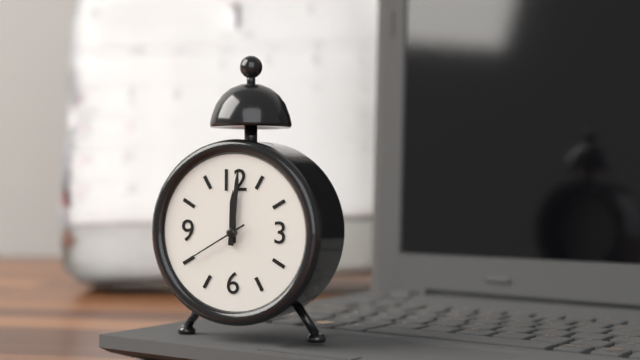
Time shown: 12:01:40
